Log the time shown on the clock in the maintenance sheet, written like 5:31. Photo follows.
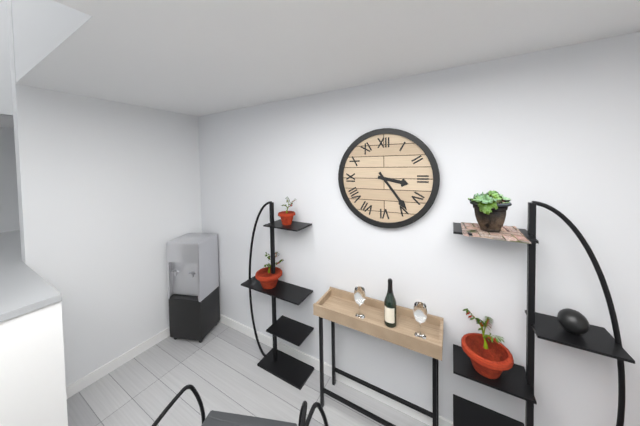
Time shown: 3:24
